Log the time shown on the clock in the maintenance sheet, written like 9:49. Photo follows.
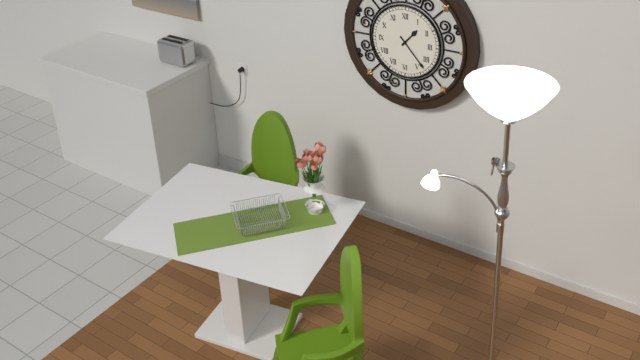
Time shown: 1:23
